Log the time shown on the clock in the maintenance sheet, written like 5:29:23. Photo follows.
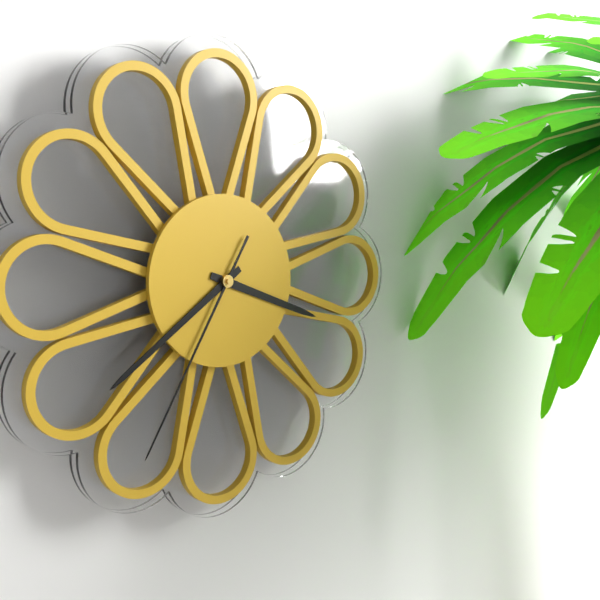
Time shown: 3:39:35
